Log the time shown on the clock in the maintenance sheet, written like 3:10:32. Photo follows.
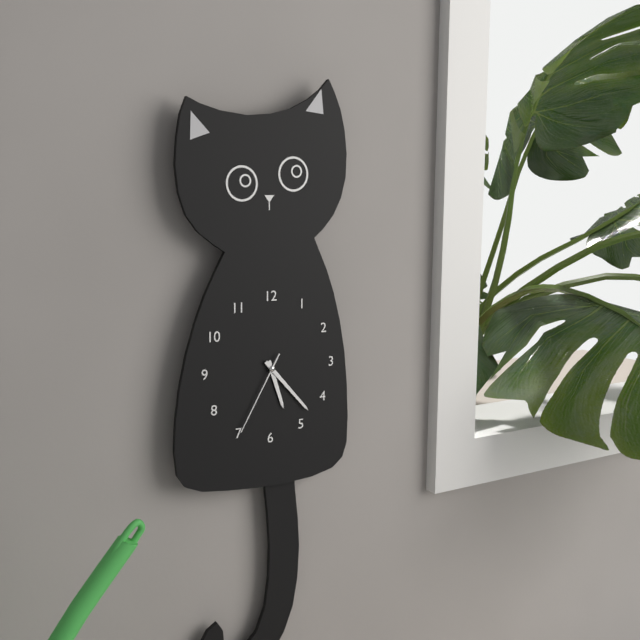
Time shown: 5:23:35
